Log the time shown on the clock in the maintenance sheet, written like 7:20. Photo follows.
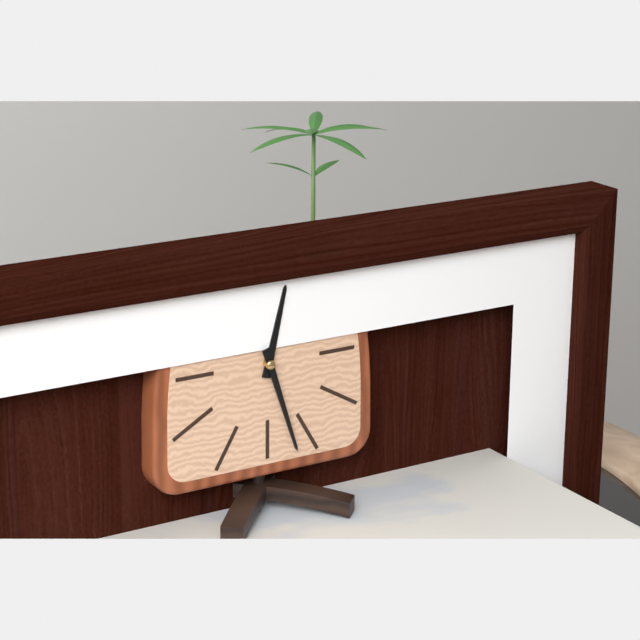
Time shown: 12:27
